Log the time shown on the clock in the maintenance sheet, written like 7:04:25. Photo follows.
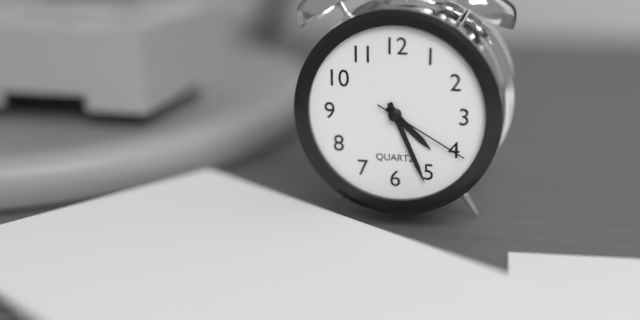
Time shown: 4:26:20
